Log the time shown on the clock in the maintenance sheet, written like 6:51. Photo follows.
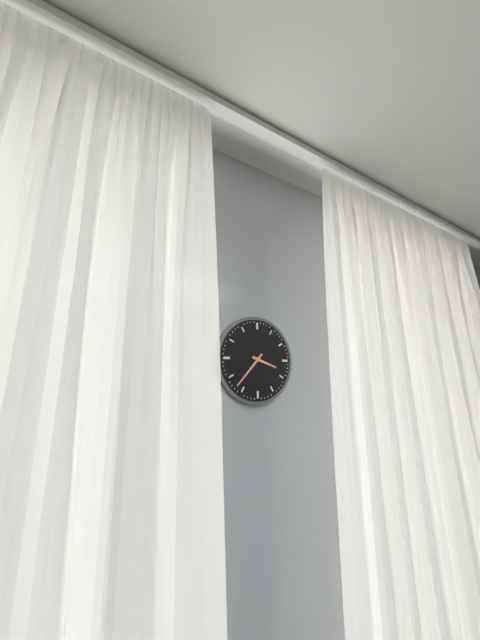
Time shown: 3:37
